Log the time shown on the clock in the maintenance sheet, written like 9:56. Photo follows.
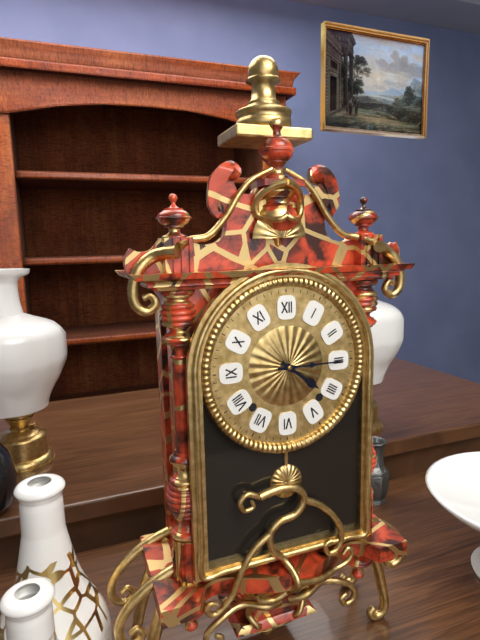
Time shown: 4:15
